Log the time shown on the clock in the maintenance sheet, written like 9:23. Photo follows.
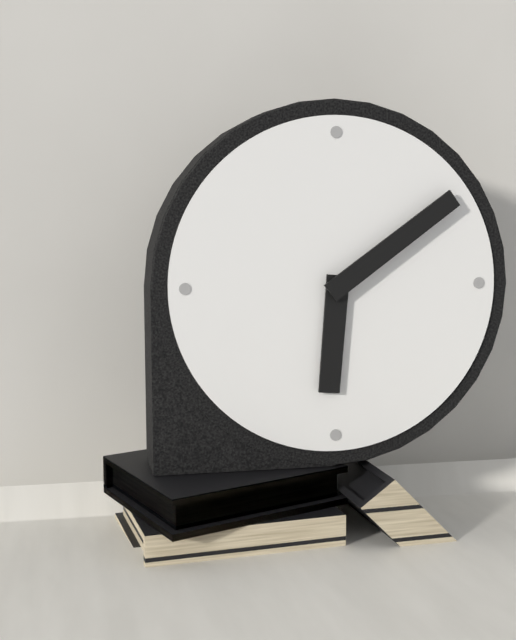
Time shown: 6:09
